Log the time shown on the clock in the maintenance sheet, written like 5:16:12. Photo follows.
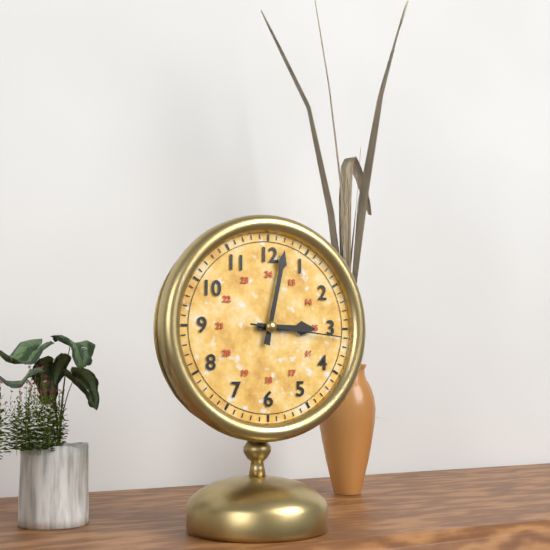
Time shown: 3:02:16
